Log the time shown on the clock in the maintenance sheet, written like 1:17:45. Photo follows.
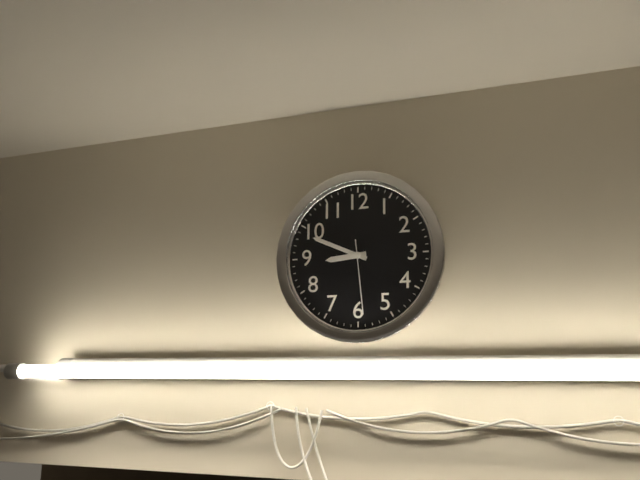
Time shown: 8:49:29
